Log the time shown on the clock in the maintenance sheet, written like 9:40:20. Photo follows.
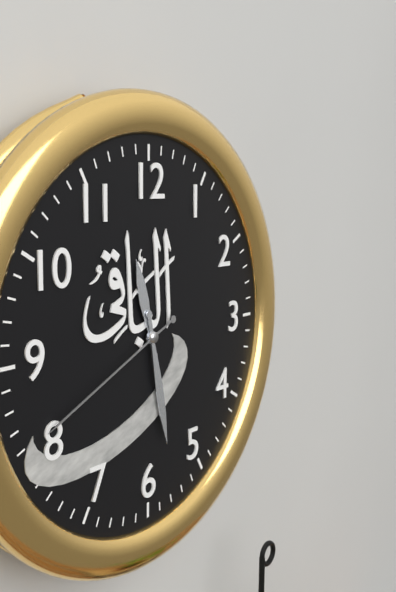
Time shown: 11:28:41
